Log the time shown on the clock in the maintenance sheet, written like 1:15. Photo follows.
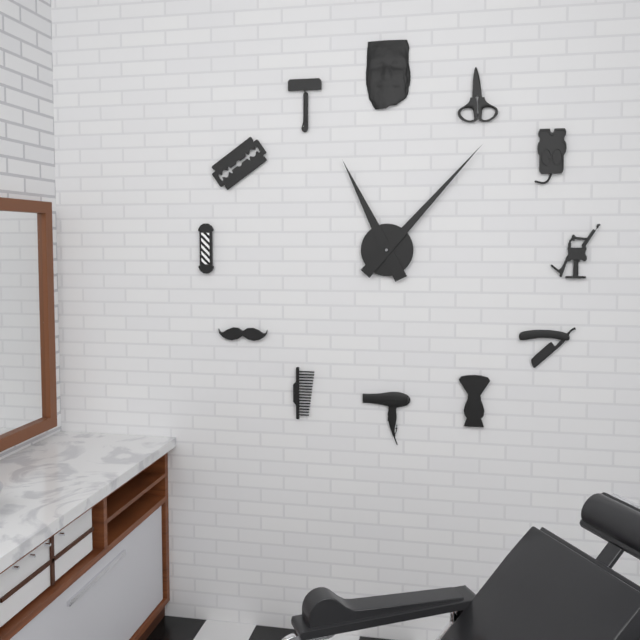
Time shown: 11:07
